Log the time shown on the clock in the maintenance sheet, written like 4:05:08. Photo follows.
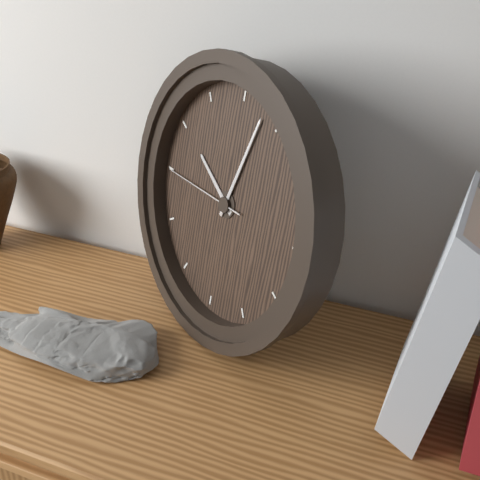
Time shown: 10:03:45
